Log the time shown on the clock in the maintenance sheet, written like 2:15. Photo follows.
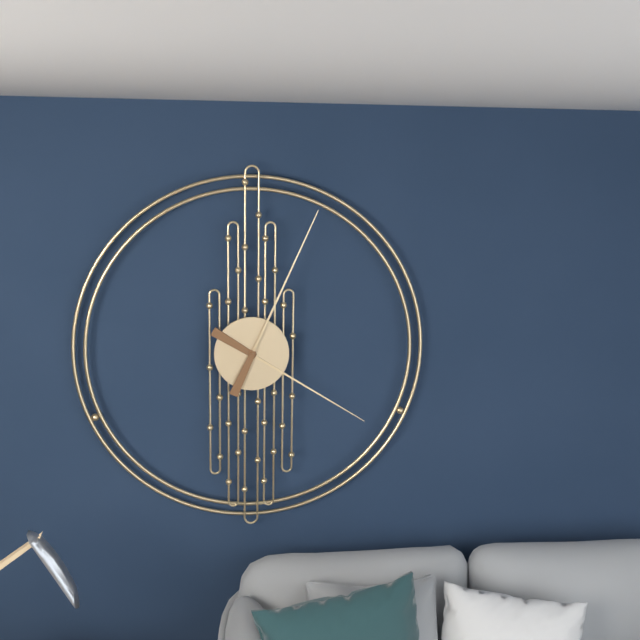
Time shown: 4:04
